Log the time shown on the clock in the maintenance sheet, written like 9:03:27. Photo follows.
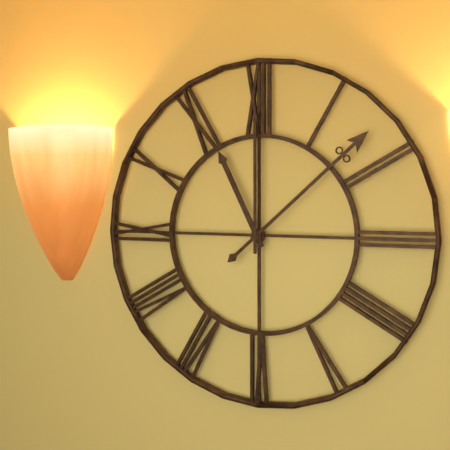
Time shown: 11:08:00
